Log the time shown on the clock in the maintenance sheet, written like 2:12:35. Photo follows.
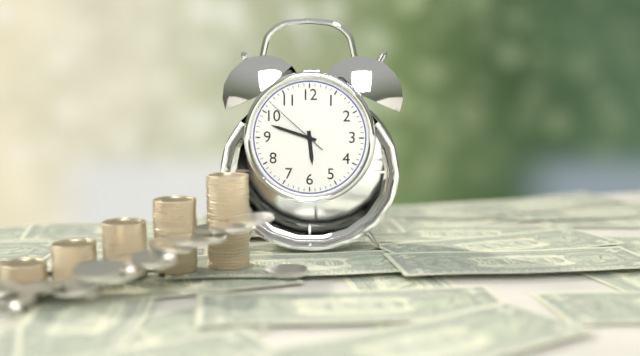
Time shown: 5:48:52
